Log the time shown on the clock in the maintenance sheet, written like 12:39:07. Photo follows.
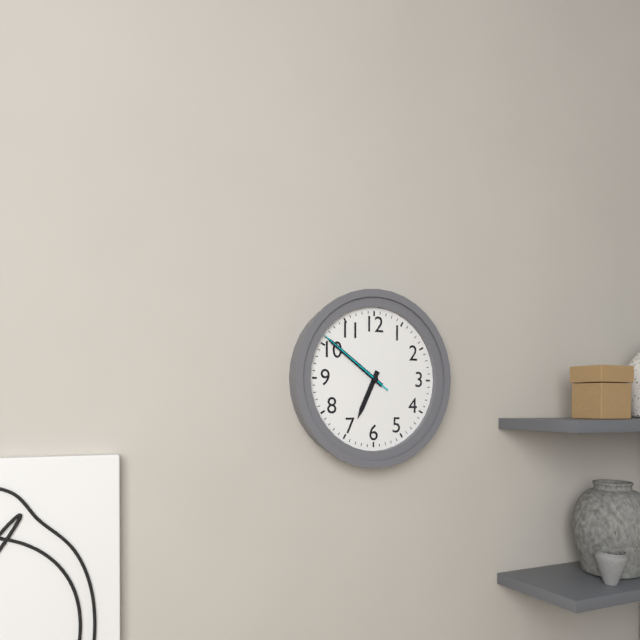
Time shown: 6:51:51
